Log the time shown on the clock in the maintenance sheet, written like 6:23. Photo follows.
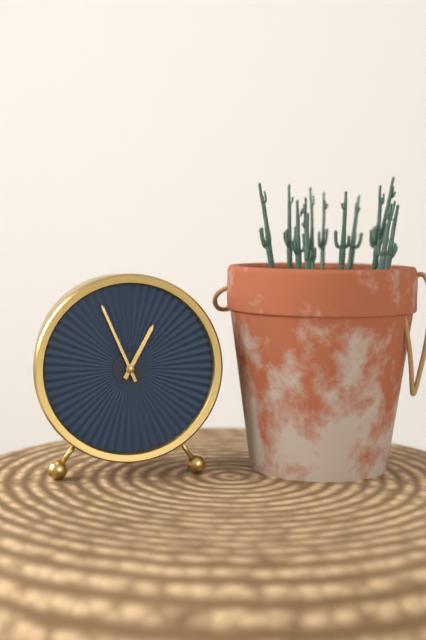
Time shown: 12:56
